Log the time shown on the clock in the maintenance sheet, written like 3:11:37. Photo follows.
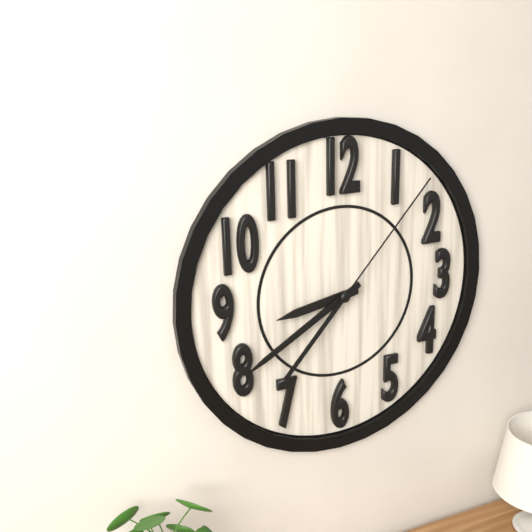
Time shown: 8:40:07
